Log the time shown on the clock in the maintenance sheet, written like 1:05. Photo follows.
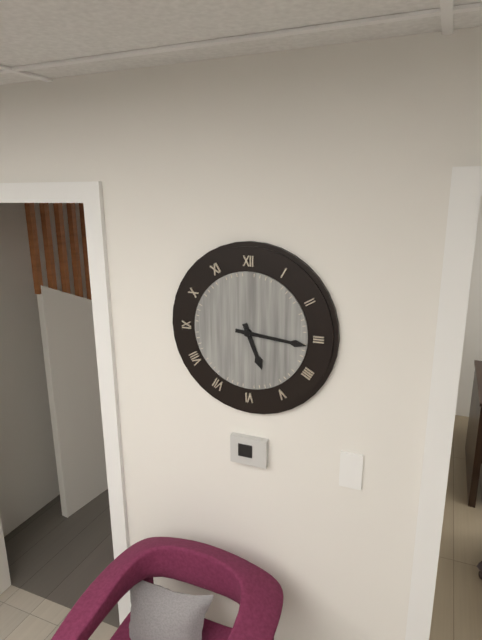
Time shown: 5:16
